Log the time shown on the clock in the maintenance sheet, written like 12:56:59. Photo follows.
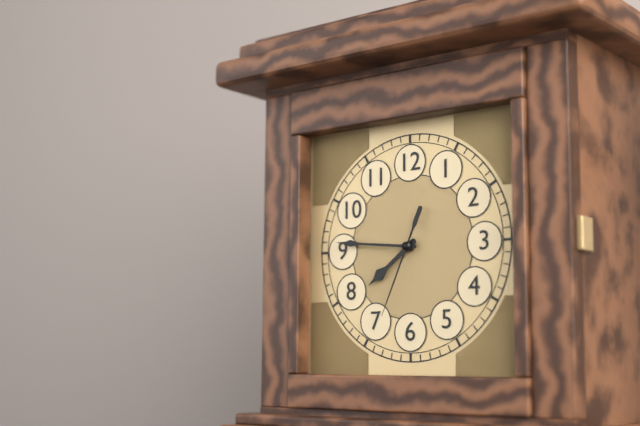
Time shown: 7:46:34
